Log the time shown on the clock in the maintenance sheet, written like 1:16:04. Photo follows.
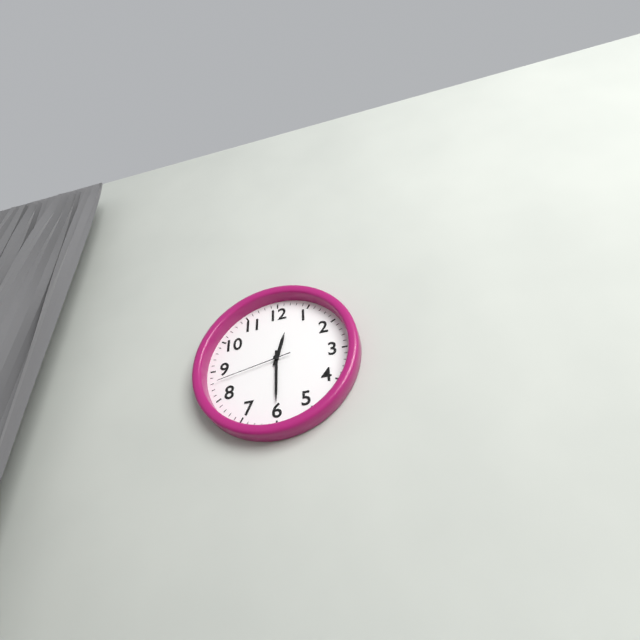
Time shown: 12:30:43
